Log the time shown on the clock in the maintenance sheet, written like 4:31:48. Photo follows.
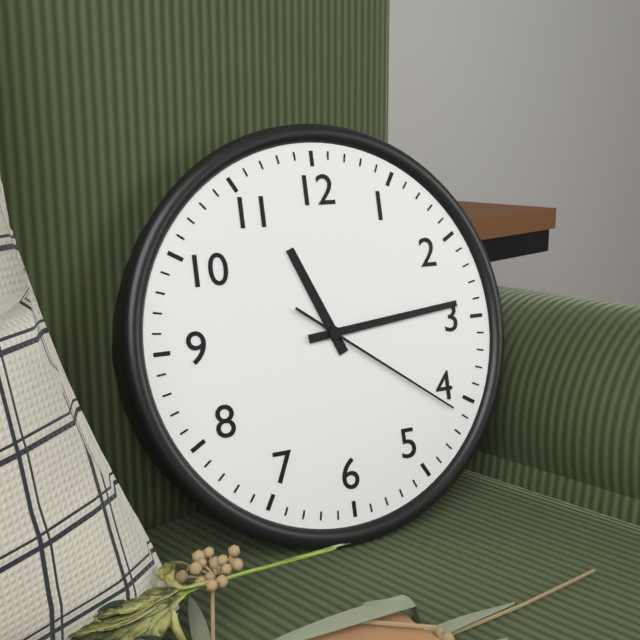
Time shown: 11:14:21
